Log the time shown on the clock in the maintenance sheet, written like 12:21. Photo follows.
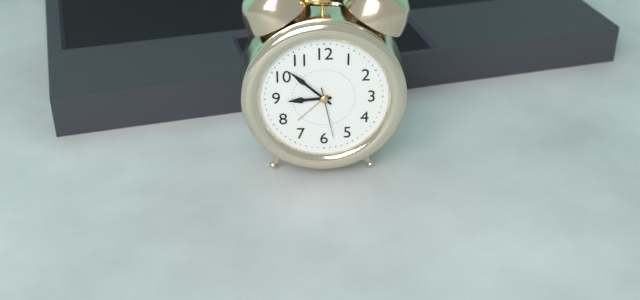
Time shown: 8:52
